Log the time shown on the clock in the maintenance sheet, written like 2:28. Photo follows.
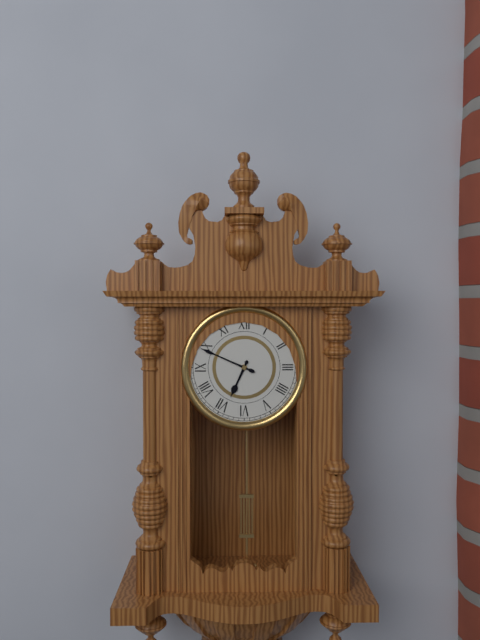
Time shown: 6:49
